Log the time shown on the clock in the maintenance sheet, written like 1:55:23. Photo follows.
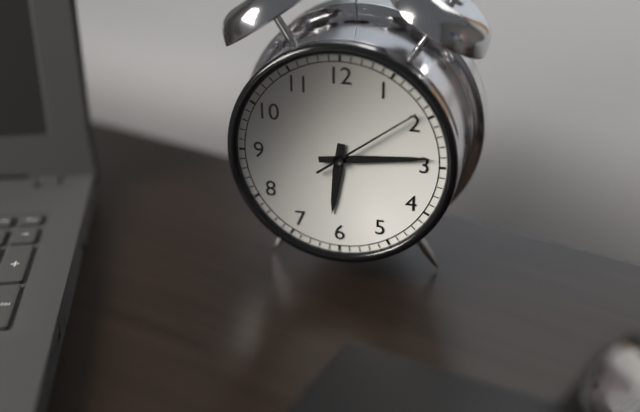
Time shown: 6:14:09
